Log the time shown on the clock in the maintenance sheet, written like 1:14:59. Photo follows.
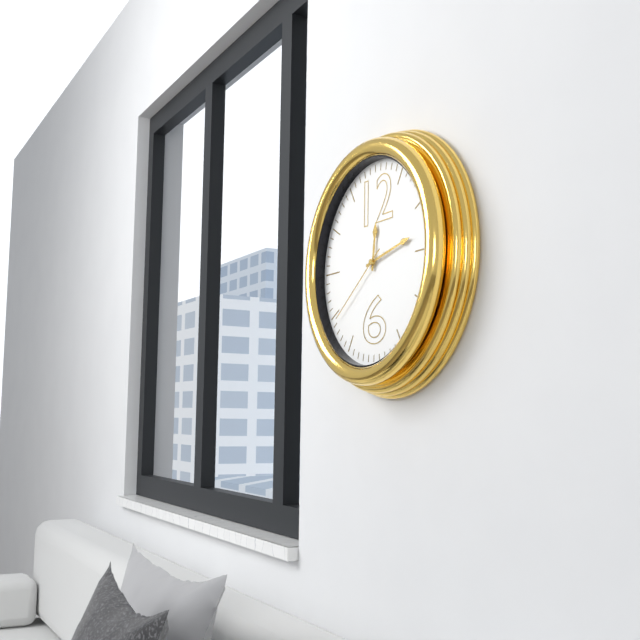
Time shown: 12:13:39
